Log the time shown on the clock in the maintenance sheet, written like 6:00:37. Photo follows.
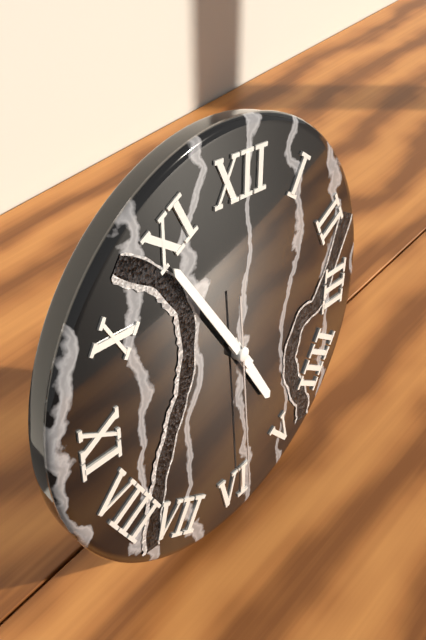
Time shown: 4:54:29
